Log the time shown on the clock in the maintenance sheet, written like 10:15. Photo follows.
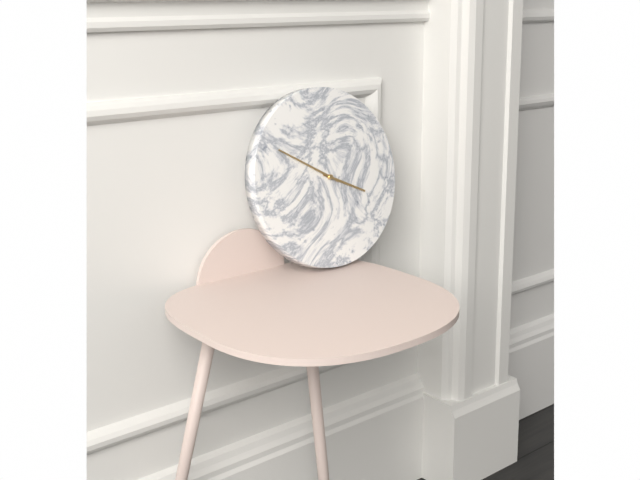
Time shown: 3:50
